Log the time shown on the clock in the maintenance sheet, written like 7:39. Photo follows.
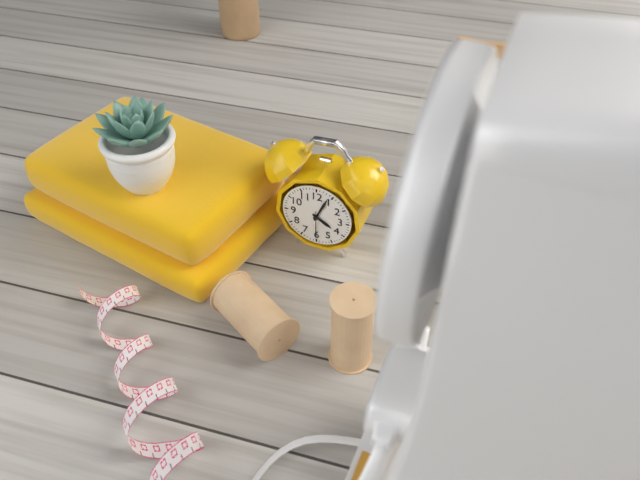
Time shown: 4:04
